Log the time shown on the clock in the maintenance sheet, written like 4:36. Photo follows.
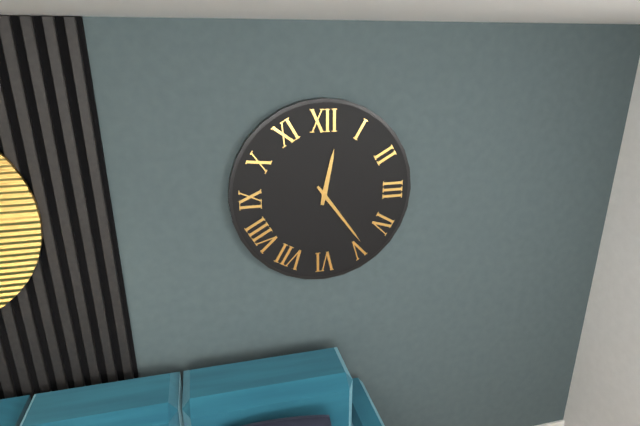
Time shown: 12:24
